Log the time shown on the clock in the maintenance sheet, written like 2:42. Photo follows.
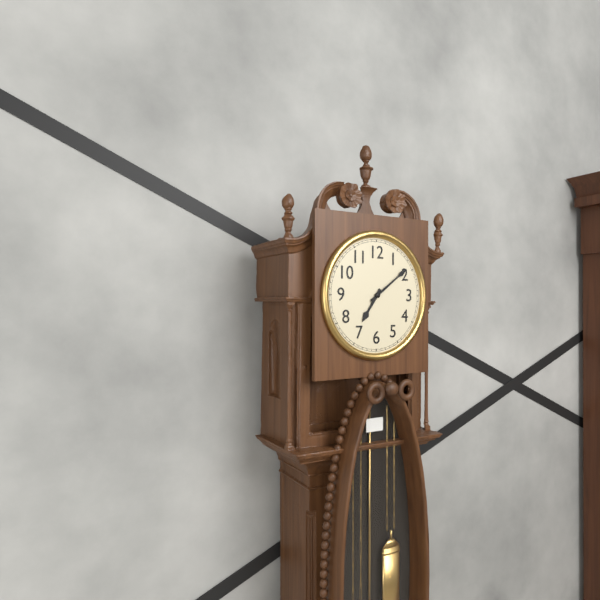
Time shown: 7:09
